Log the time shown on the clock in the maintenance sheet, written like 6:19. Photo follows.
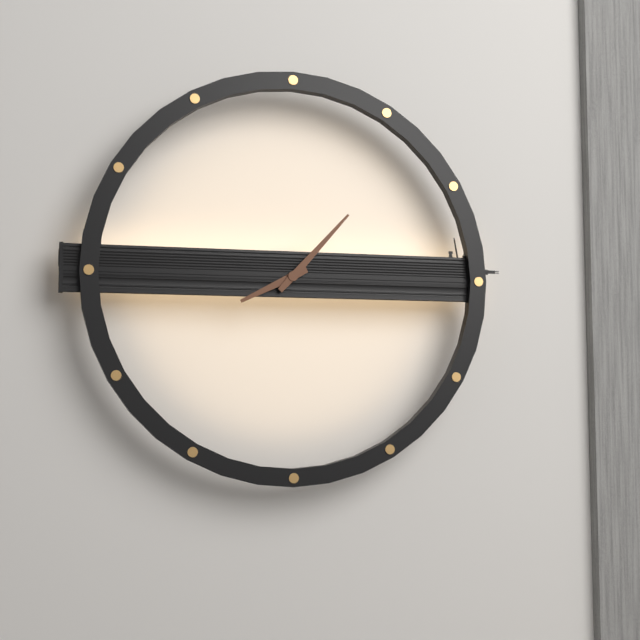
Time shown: 8:07
